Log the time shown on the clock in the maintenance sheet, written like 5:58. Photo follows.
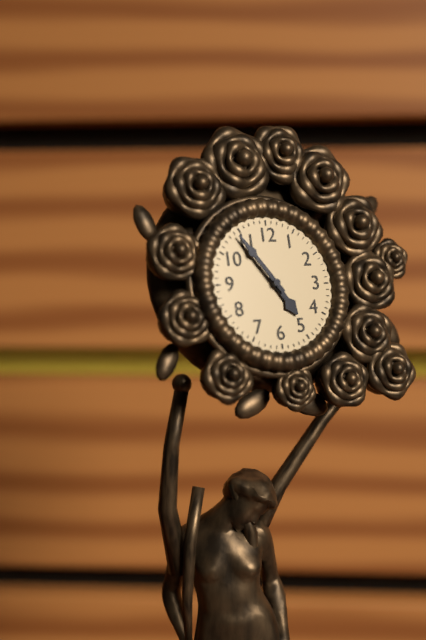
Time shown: 4:54
